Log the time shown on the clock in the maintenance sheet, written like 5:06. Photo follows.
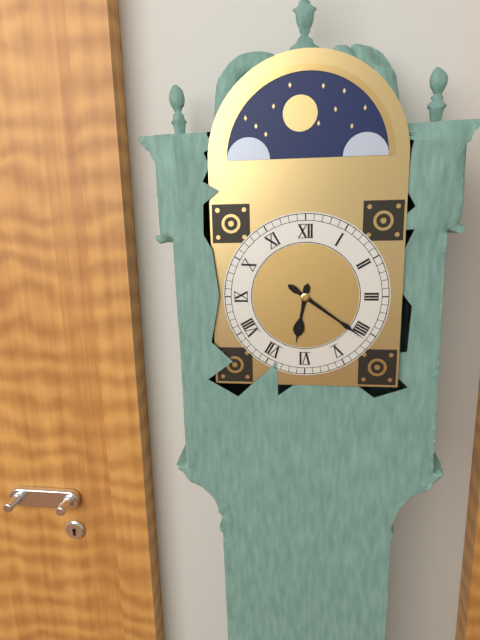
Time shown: 6:21
